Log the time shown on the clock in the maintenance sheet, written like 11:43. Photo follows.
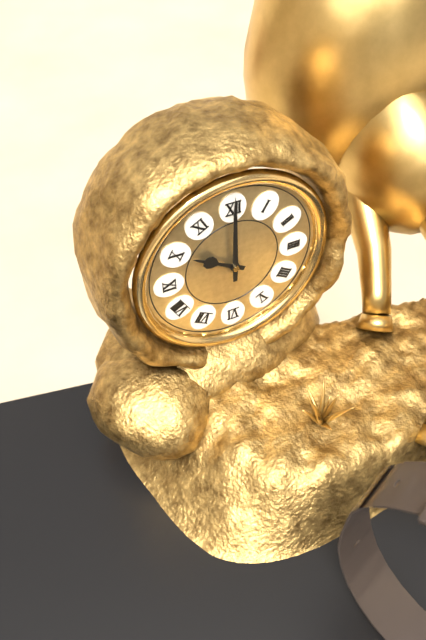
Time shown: 10:00
